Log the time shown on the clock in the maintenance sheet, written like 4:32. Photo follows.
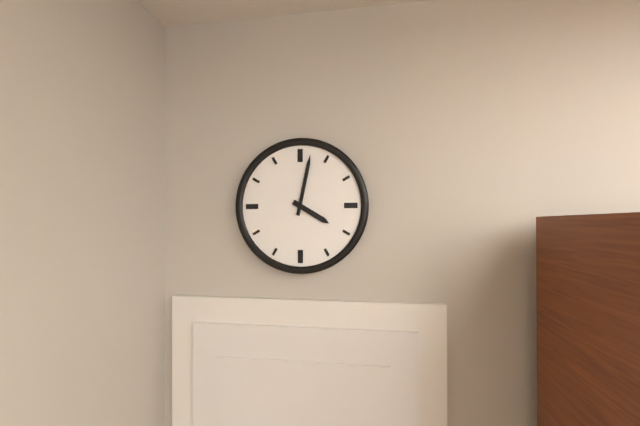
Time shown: 4:02
